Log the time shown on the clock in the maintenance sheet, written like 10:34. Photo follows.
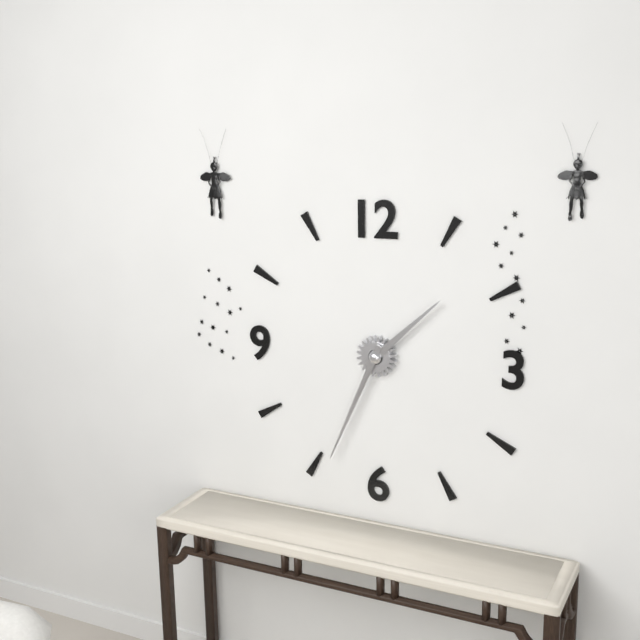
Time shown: 1:34
